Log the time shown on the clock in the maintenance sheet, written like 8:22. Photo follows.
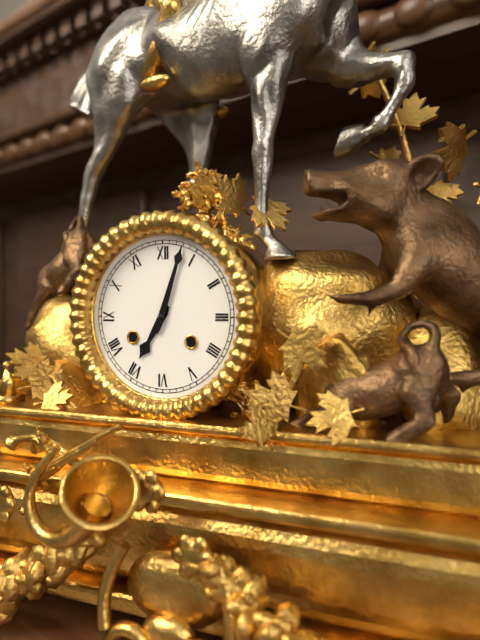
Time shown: 7:03
